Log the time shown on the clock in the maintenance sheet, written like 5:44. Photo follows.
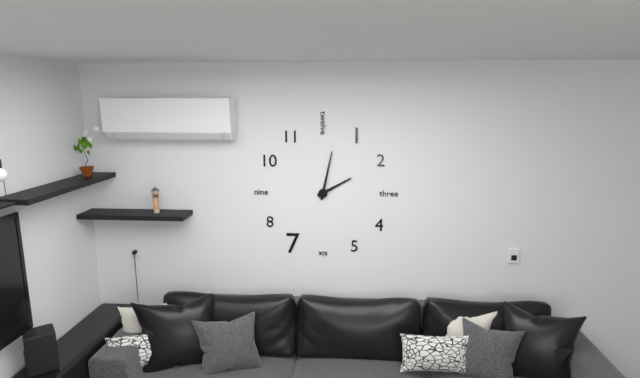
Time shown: 2:02
